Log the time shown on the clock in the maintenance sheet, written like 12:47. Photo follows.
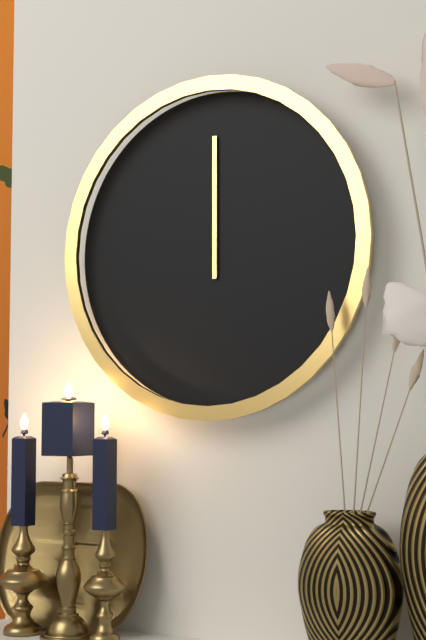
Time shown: 12:00
